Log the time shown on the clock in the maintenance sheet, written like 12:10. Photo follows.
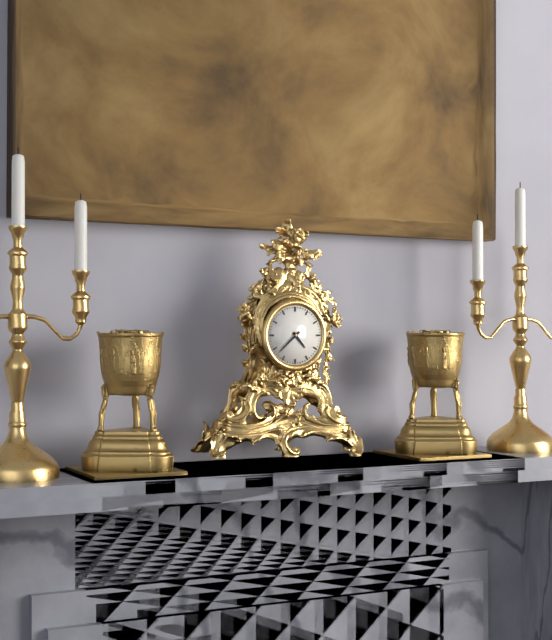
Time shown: 4:38
